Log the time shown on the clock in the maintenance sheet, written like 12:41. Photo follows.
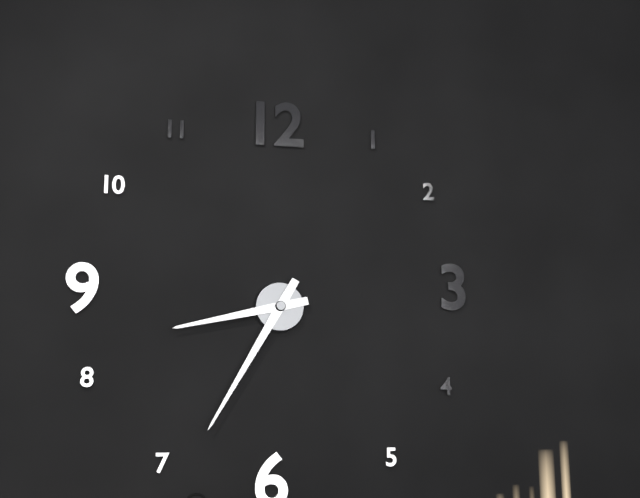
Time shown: 8:35
